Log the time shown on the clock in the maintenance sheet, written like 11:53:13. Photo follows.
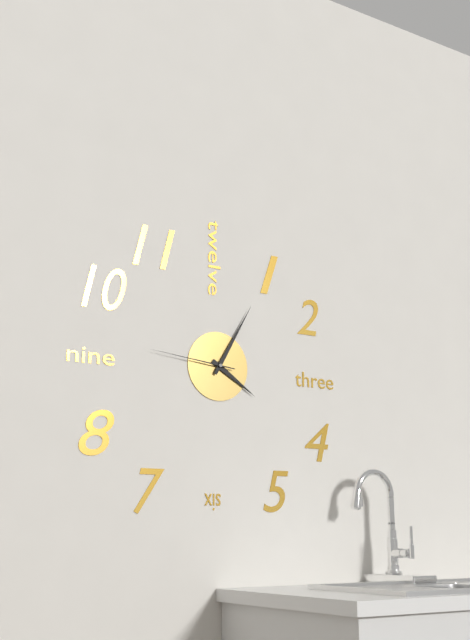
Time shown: 4:05:46
